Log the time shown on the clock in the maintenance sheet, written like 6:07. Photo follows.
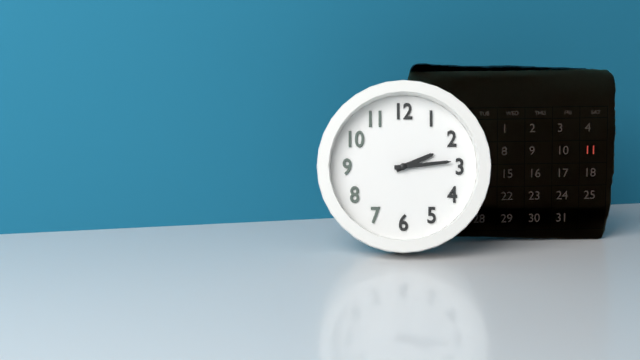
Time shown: 2:14
